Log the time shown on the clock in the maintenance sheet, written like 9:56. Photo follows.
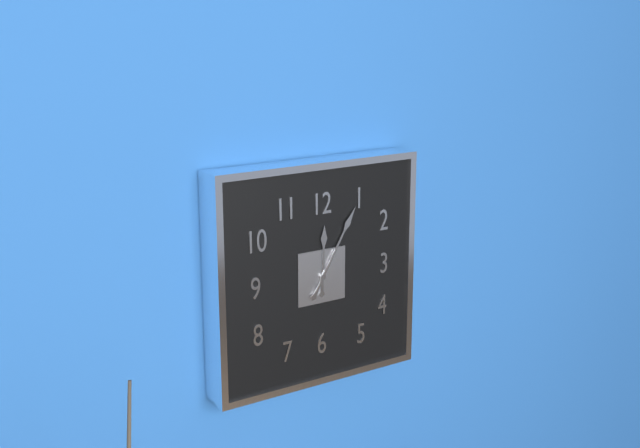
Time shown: 12:05
